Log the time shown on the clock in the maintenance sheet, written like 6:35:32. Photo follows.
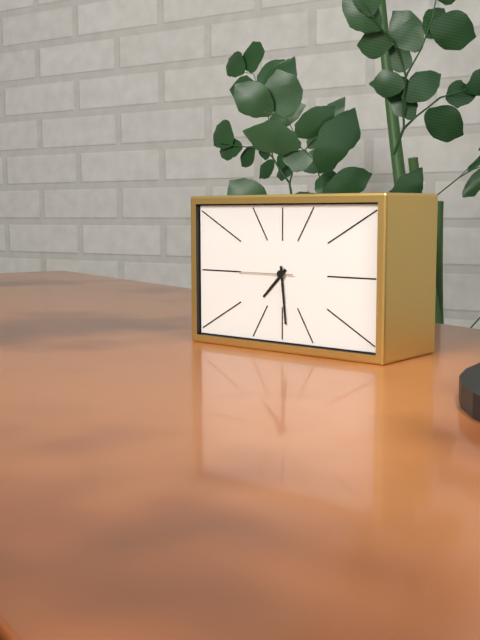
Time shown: 7:29:45
